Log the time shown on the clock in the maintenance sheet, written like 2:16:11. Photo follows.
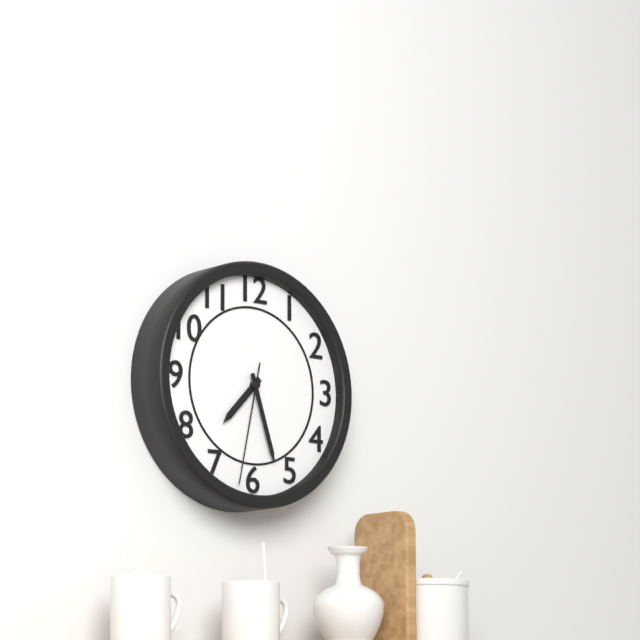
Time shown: 7:27:32
